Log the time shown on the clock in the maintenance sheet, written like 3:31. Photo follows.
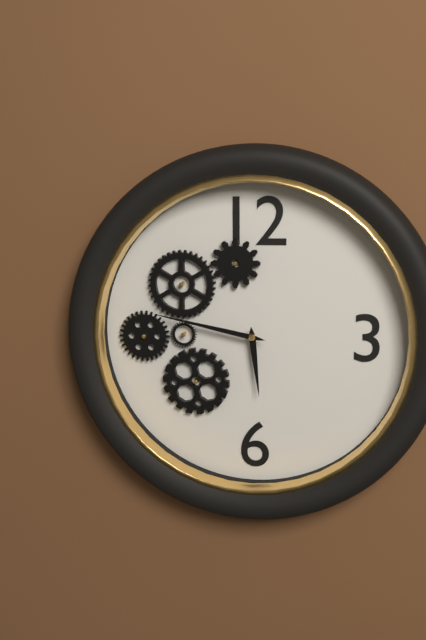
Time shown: 5:47
